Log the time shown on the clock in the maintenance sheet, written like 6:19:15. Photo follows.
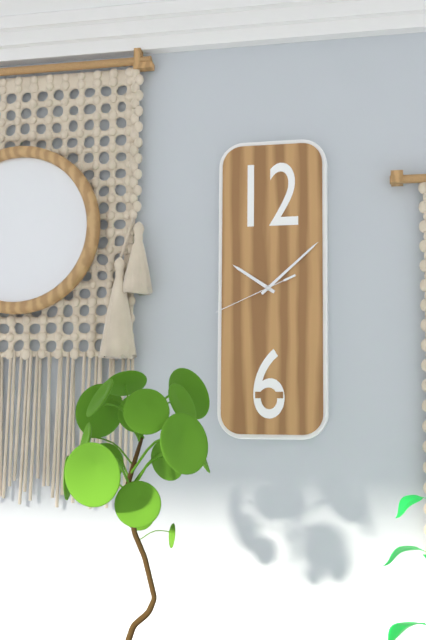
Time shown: 10:08:41
